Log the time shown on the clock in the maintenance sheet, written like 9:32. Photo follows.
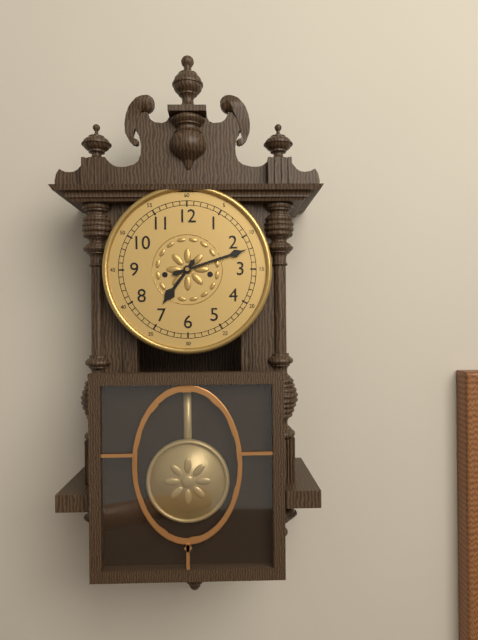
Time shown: 7:12
